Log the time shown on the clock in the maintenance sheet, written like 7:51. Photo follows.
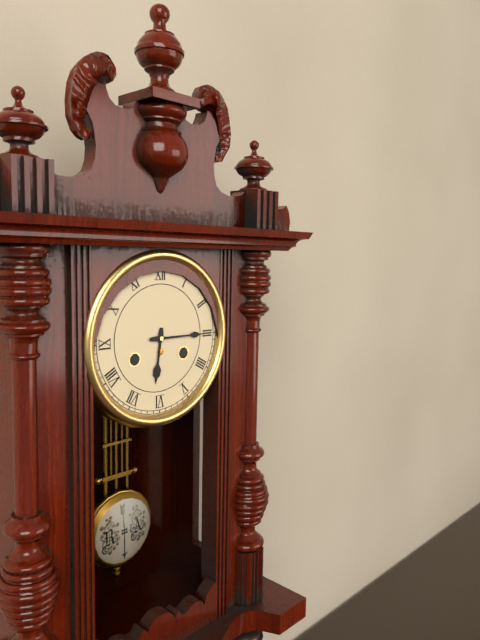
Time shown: 6:15
